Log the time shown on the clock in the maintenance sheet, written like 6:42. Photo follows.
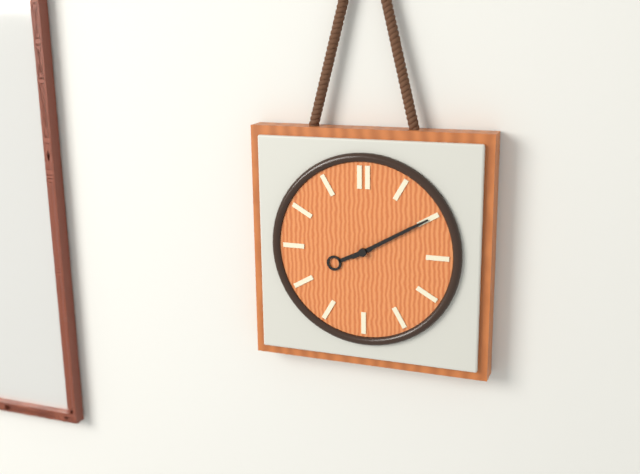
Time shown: 8:10
